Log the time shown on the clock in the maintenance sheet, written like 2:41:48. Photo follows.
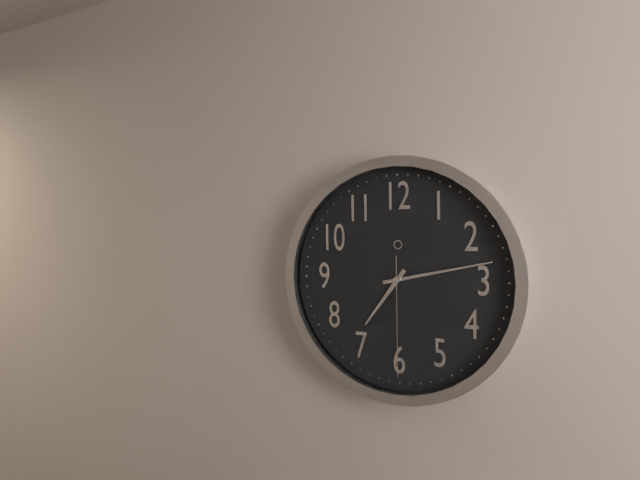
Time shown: 7:13:30
